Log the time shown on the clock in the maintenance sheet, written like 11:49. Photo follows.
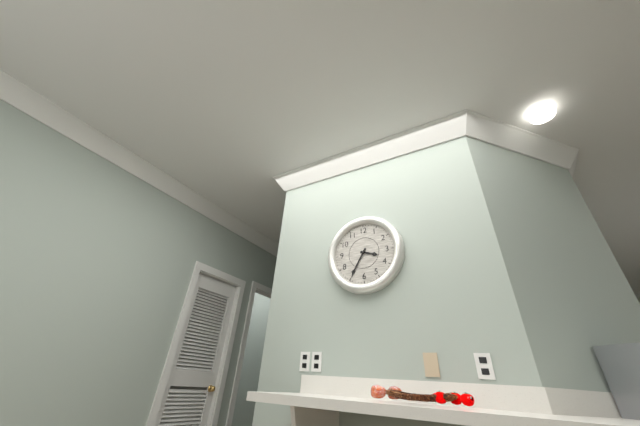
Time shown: 3:35
